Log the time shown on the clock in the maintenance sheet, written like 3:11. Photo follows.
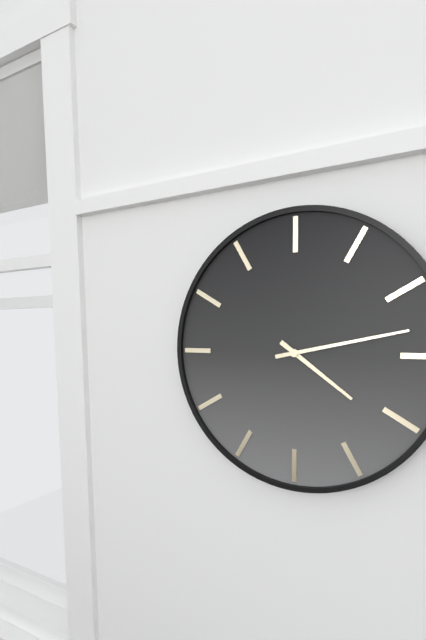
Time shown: 4:13
